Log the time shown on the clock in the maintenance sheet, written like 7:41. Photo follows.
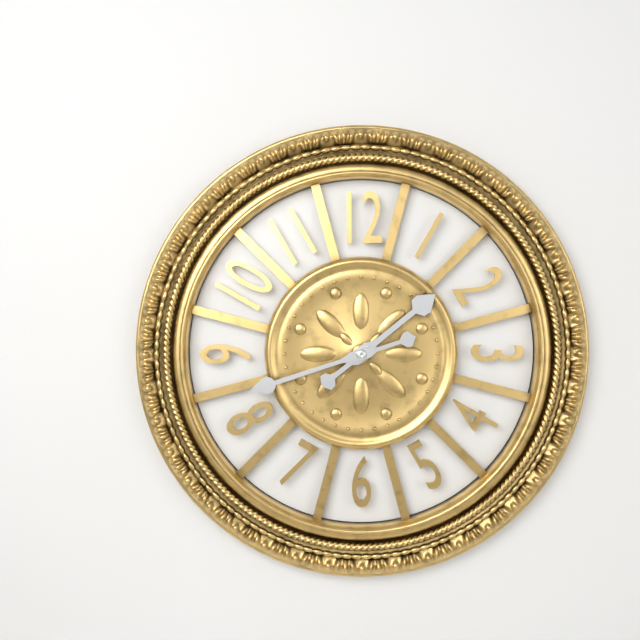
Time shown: 1:42
